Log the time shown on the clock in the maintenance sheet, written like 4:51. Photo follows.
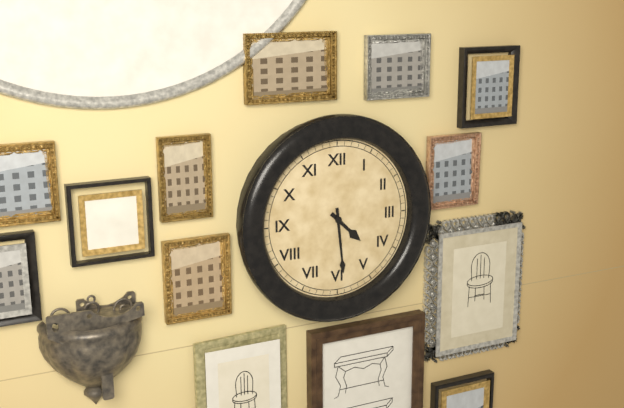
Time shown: 4:29
